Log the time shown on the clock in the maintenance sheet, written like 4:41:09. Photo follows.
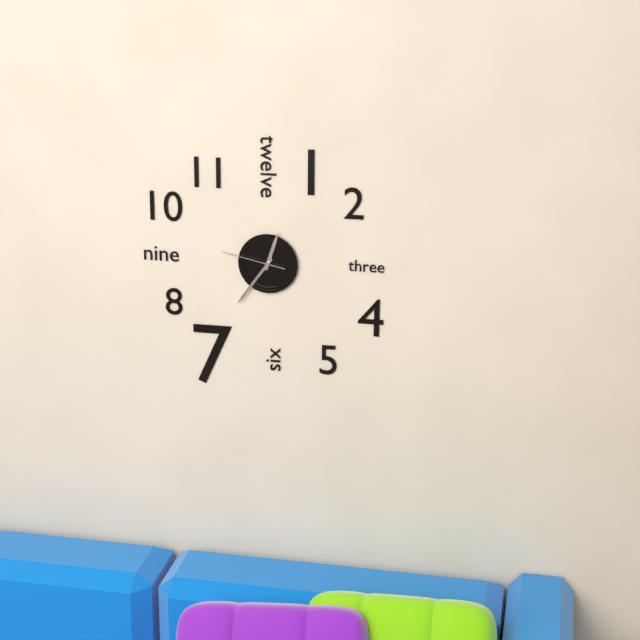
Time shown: 12:36:47
